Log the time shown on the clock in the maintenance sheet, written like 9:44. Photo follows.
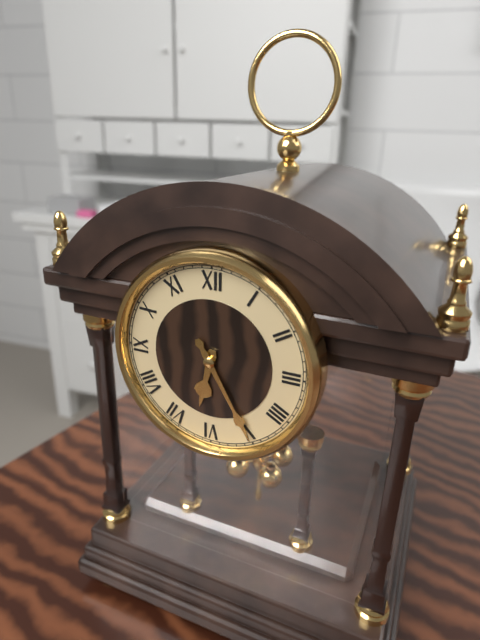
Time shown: 6:25
